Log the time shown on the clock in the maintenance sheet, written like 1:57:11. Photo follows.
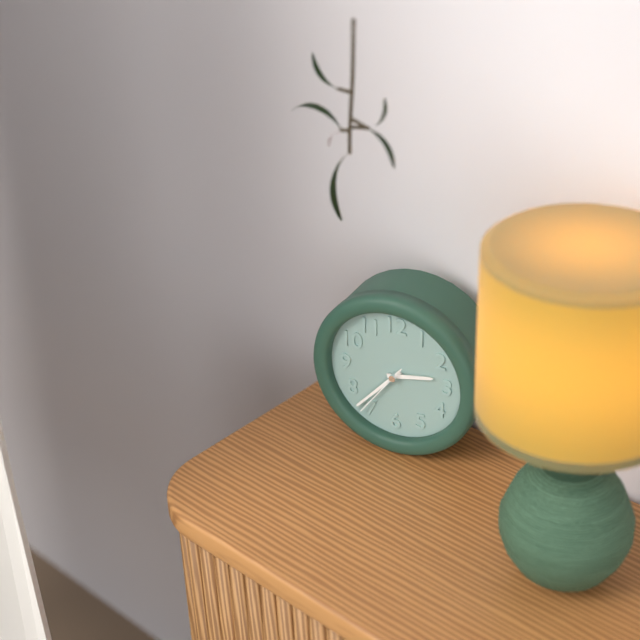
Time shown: 2:37:36
